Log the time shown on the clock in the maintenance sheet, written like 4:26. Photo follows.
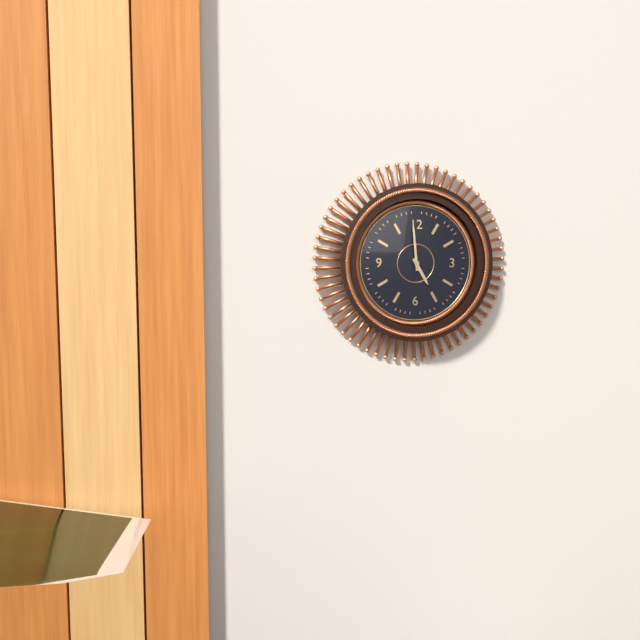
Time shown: 4:59
